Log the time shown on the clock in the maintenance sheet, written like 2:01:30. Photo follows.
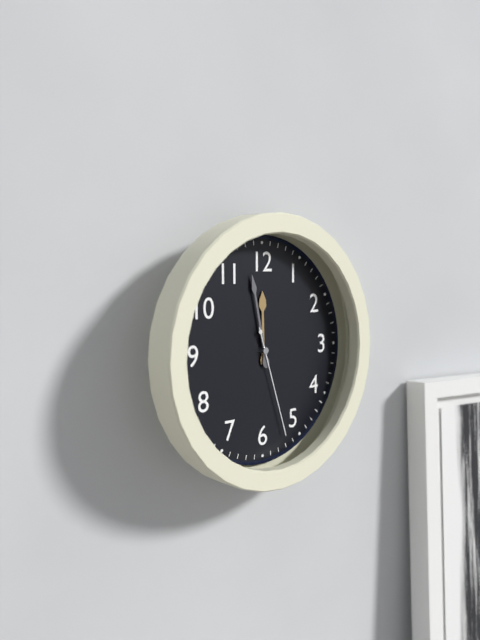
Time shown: 11:58:27
